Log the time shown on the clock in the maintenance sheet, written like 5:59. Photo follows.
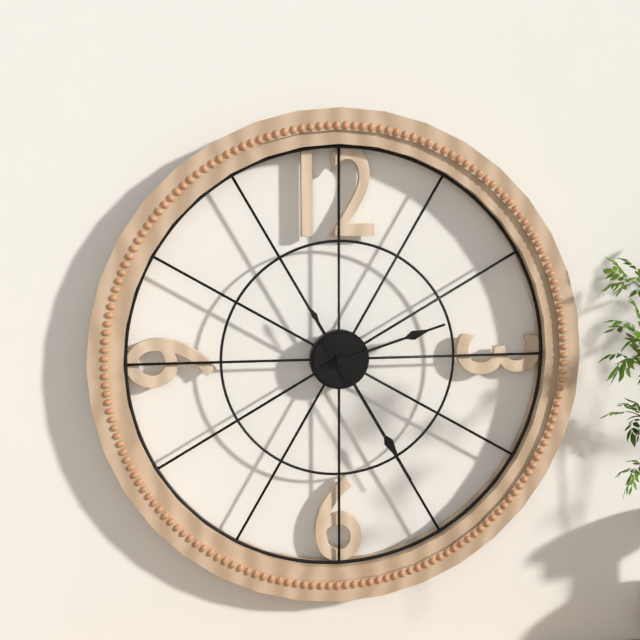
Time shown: 2:25
